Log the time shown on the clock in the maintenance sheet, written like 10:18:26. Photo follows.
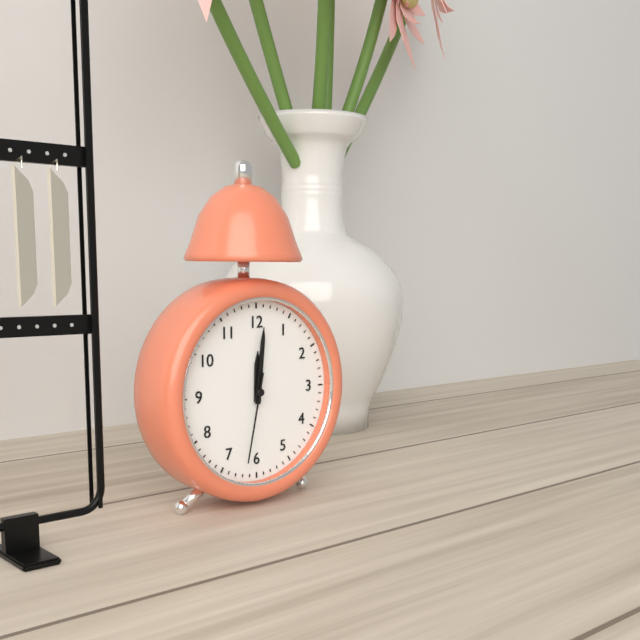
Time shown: 12:01:32
